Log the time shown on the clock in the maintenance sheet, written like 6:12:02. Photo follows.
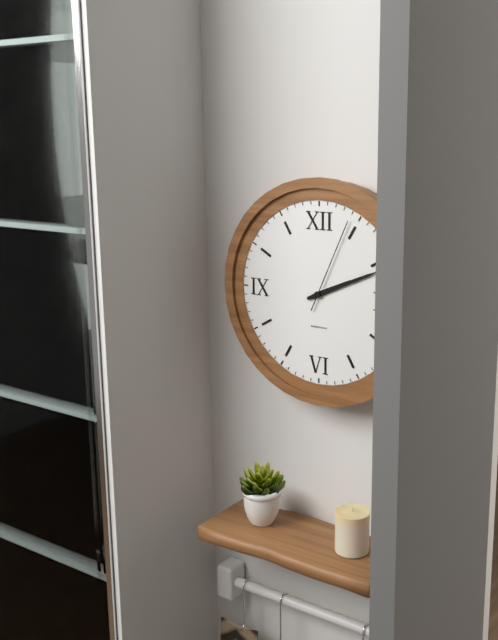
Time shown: 2:11:04
